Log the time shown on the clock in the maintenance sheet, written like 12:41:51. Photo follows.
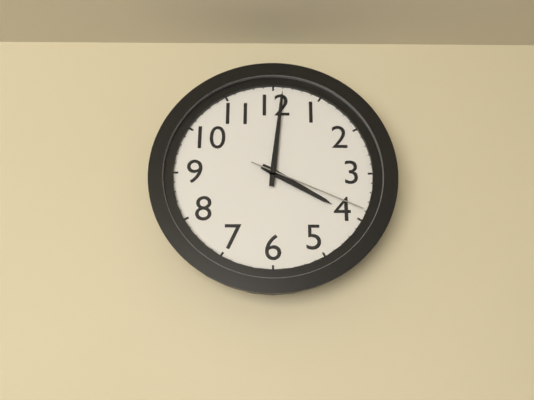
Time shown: 4:01:19
